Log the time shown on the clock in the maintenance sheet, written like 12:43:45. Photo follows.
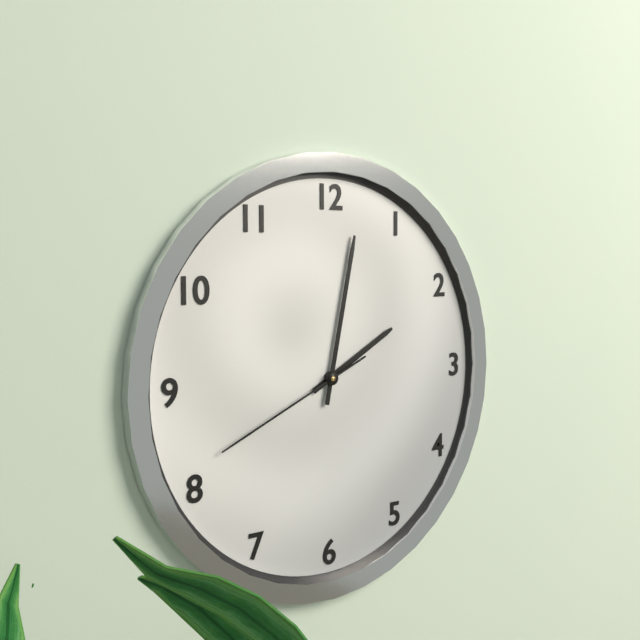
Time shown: 2:02:41
